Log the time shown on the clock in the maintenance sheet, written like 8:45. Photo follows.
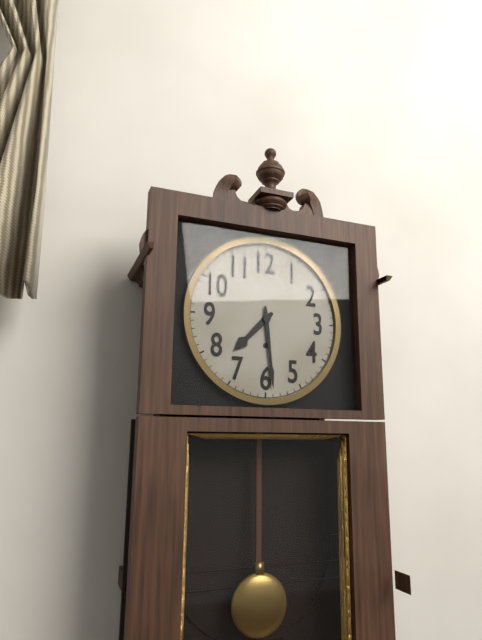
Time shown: 7:29
